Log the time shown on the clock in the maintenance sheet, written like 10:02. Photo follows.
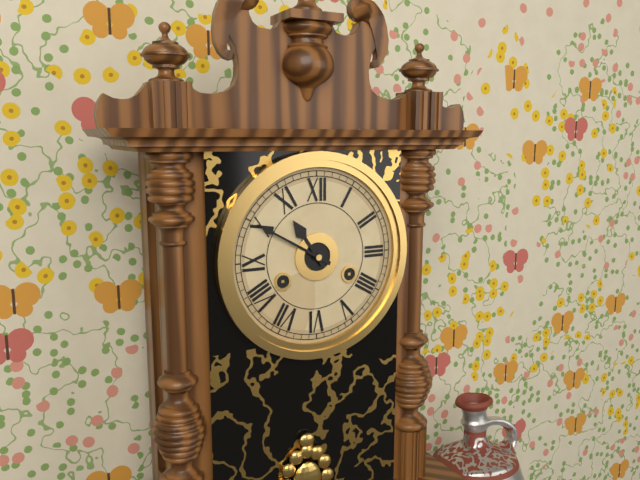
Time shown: 10:50
